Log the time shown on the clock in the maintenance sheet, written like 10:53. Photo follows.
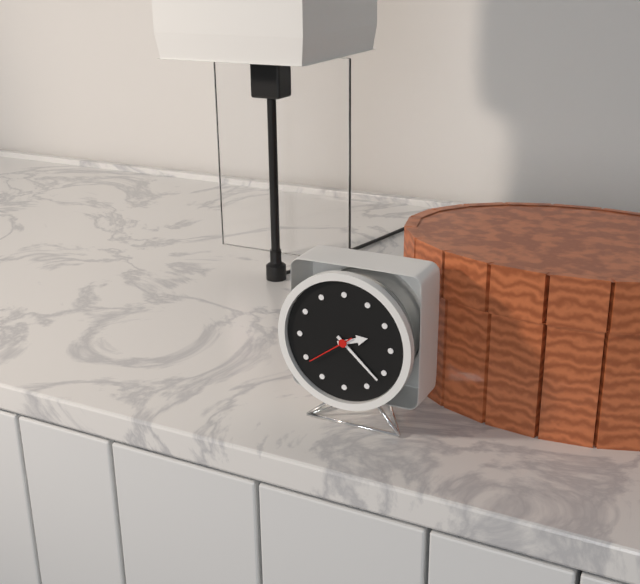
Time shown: 2:22
